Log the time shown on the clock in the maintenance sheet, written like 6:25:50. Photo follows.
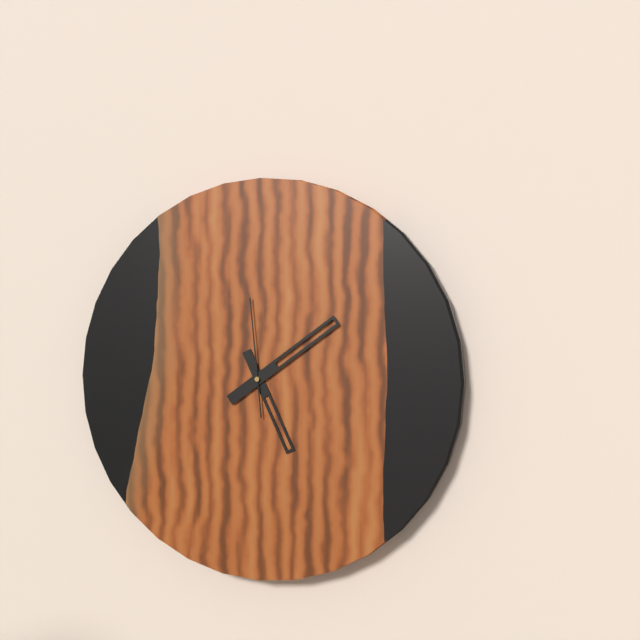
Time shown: 5:09:59
